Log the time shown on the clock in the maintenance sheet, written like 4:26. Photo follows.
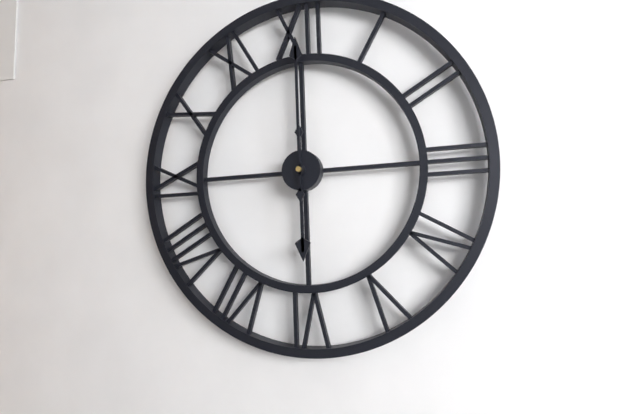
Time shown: 6:00
